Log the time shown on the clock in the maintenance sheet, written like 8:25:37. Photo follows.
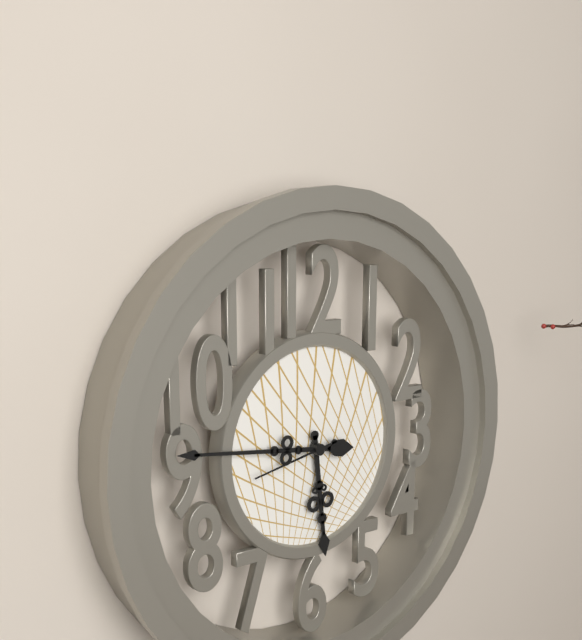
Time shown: 5:46:43
